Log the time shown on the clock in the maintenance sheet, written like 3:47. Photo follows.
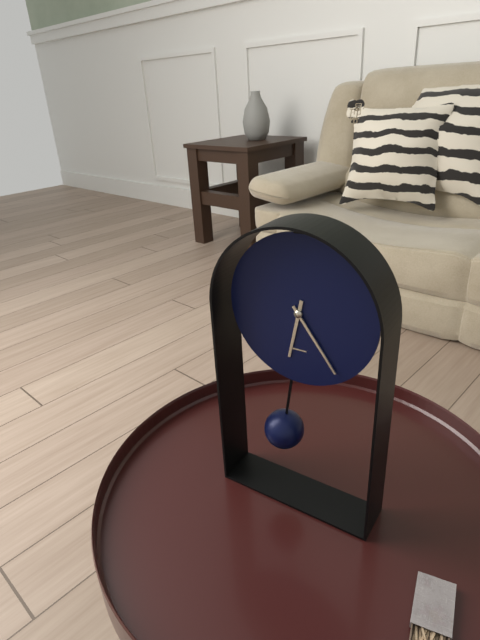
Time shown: 6:24
